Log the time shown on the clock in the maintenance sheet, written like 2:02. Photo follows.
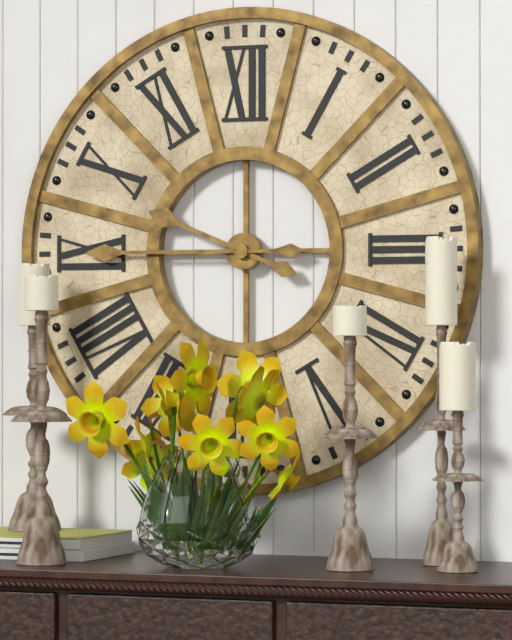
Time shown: 9:45
